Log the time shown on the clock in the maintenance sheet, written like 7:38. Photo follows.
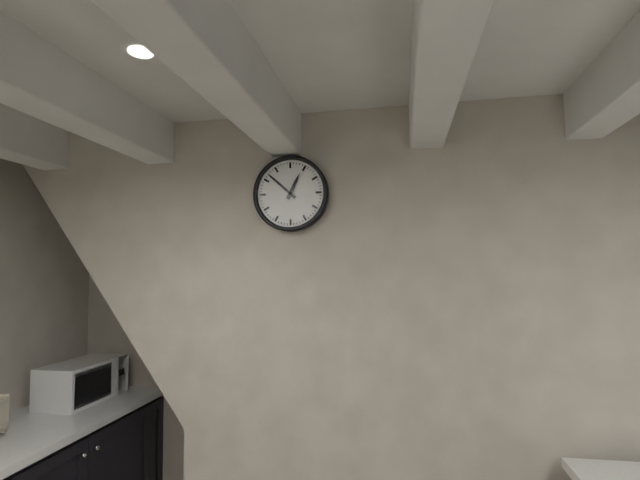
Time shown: 12:52
